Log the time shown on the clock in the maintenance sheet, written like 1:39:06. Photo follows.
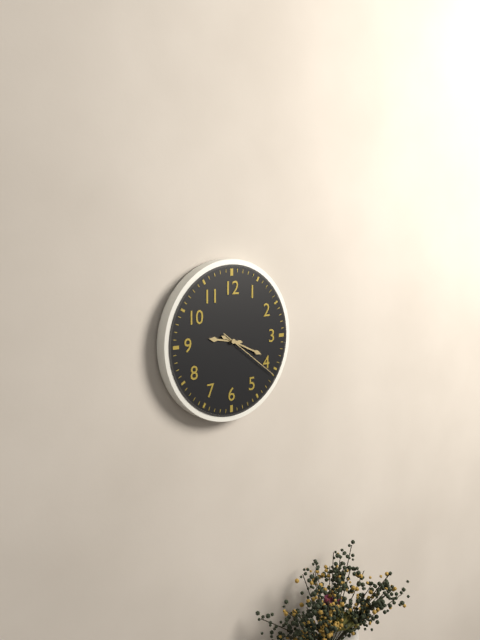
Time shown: 9:19:21
